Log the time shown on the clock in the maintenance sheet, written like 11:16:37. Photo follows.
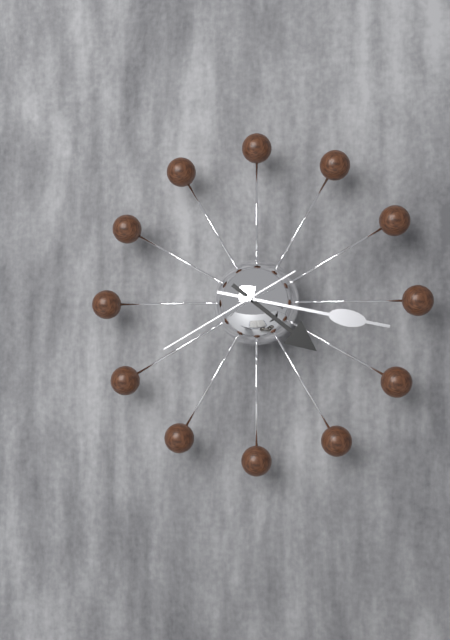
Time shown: 4:17:40
